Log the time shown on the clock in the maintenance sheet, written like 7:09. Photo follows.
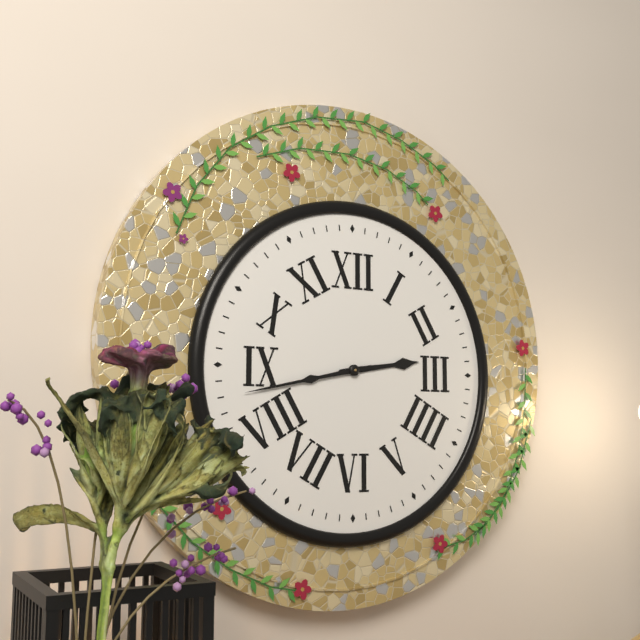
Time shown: 2:43
